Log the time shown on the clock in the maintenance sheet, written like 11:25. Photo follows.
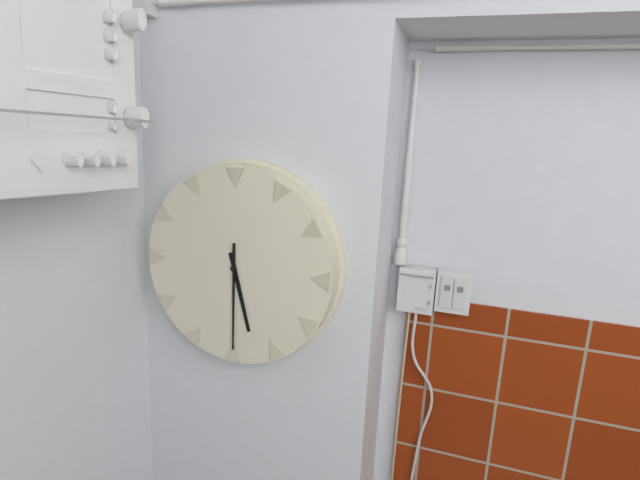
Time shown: 5:30
